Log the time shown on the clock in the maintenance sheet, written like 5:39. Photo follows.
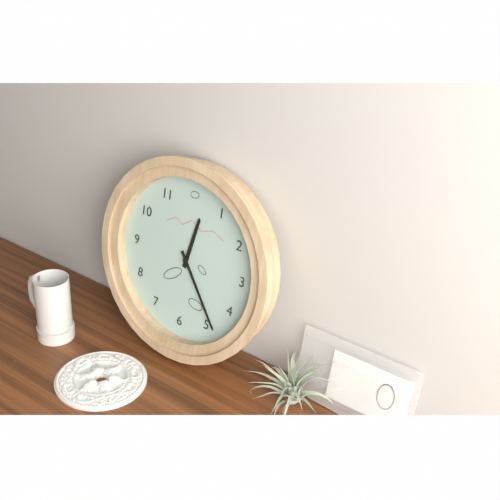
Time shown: 12:24
